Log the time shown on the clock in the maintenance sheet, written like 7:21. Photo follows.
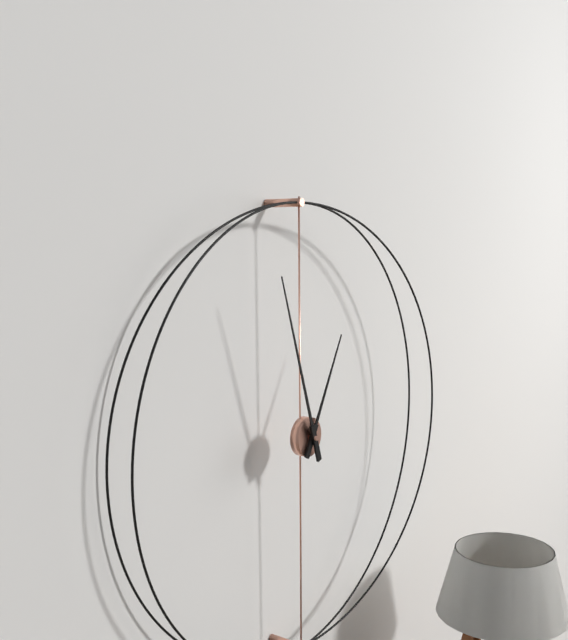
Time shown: 12:57
